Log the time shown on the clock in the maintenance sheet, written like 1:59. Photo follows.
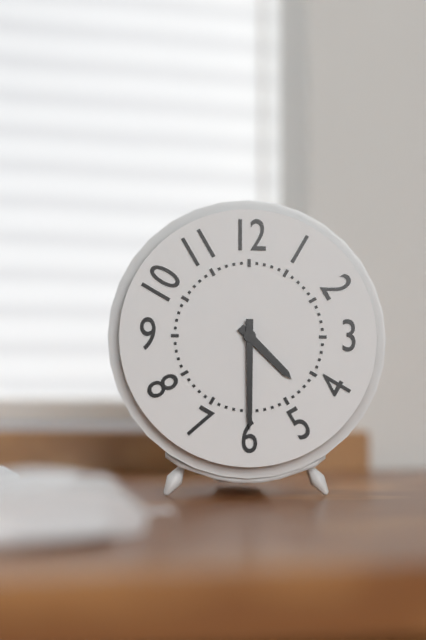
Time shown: 4:30
